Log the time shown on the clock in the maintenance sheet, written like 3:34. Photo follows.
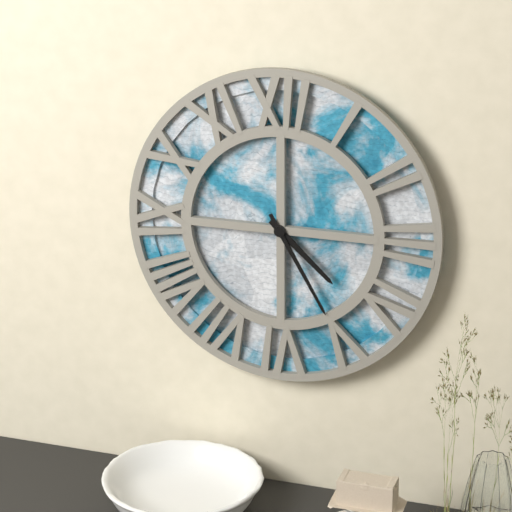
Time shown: 4:25
